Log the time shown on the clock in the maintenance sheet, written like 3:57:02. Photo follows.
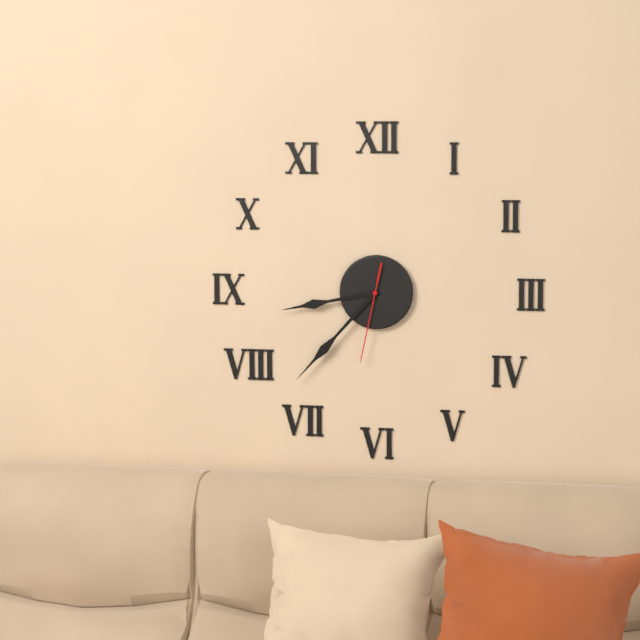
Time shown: 8:37:32
